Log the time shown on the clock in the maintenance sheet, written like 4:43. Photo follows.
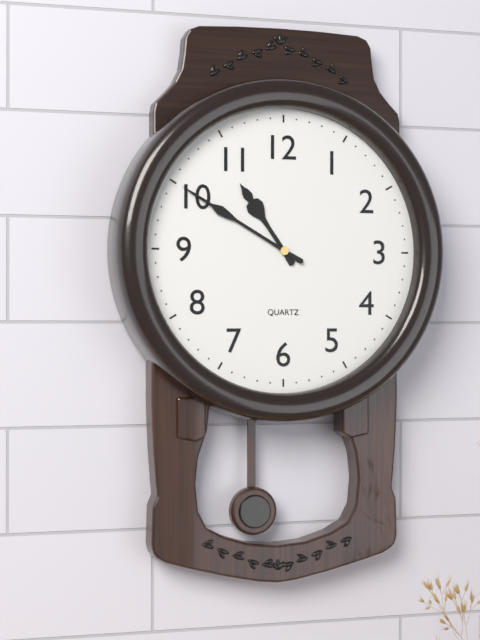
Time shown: 10:50
